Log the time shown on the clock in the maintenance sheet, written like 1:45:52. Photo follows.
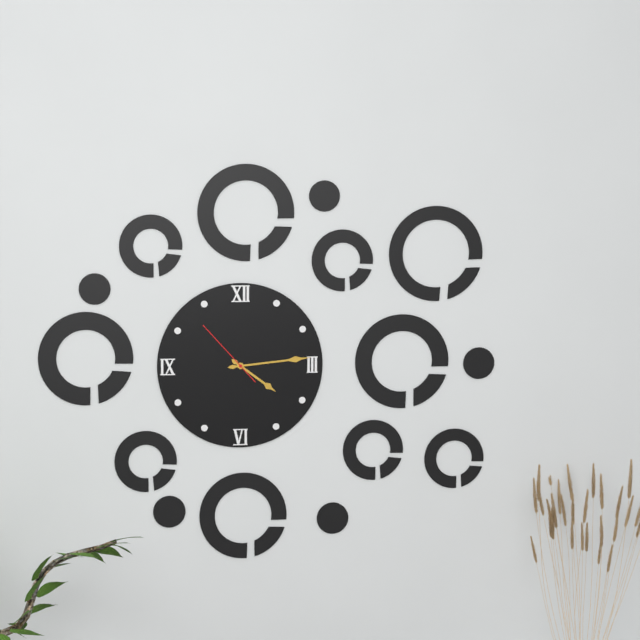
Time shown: 4:14:53
